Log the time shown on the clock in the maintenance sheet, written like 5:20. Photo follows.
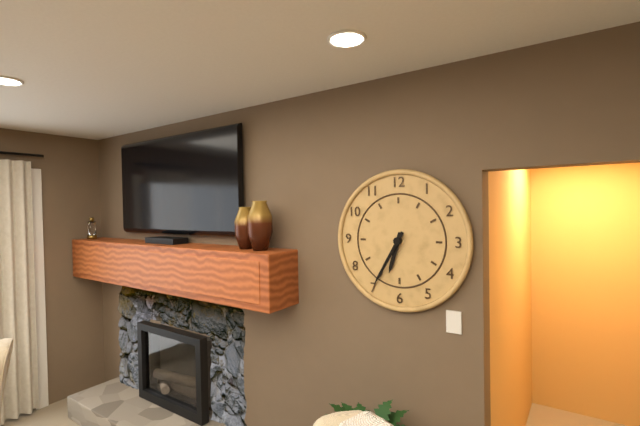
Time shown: 6:35
